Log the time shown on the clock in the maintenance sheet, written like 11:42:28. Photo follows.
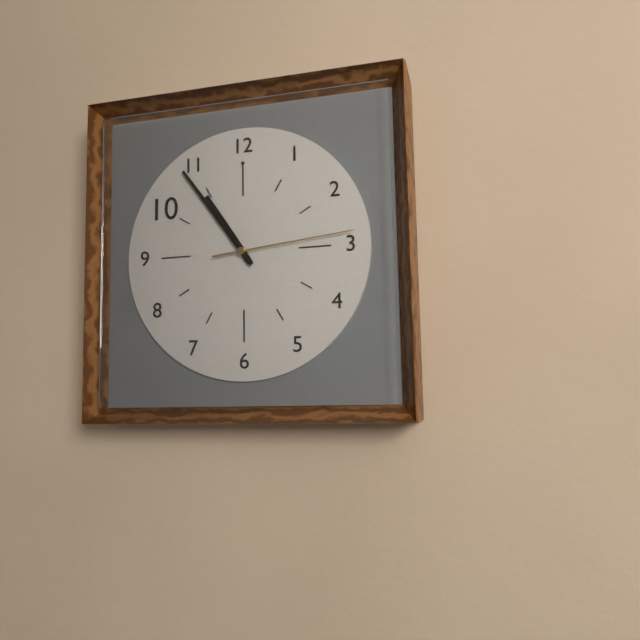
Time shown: 10:54:14
